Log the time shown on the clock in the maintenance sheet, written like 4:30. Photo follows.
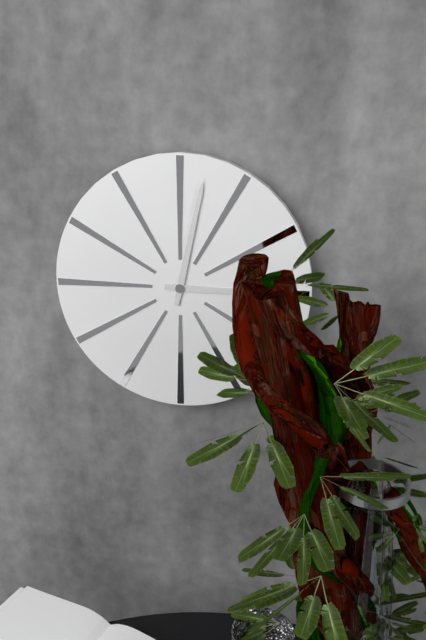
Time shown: 3:02
